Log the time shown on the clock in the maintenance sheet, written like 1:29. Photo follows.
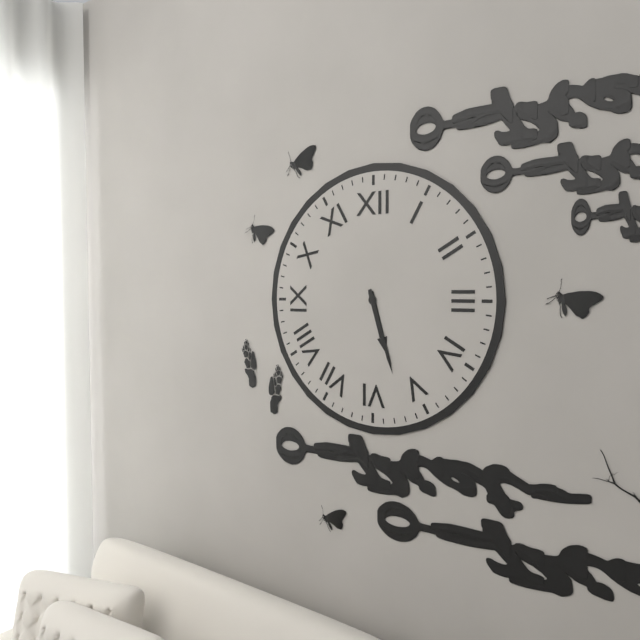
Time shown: 5:27
